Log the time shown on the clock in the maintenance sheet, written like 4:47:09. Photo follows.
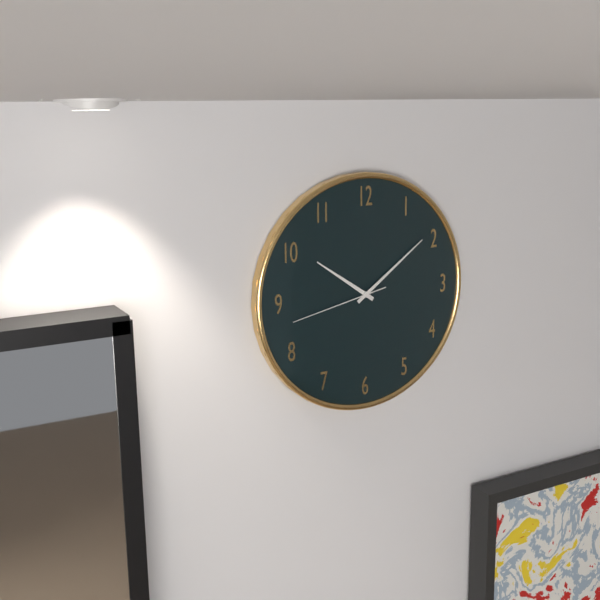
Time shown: 10:09:43
